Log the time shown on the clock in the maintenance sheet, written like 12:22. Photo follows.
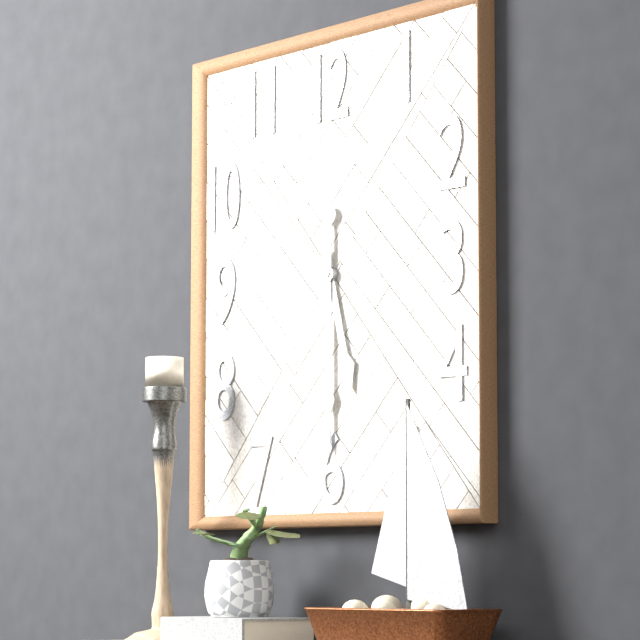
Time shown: 5:30
